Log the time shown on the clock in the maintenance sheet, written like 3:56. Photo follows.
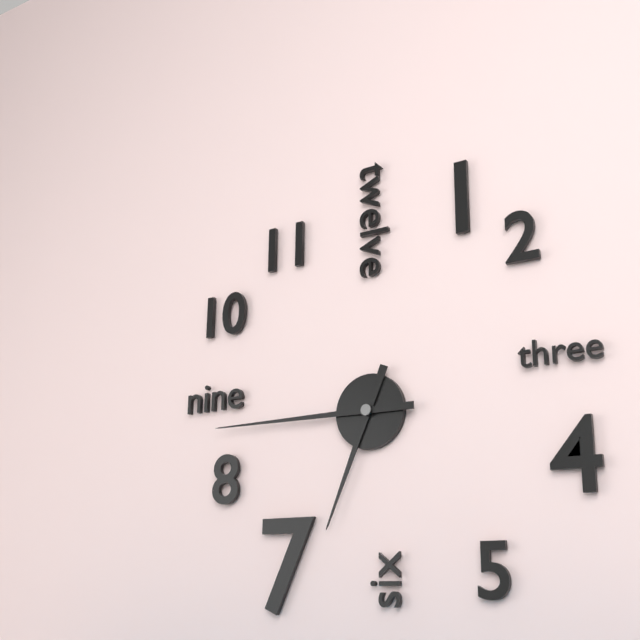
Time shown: 6:45
